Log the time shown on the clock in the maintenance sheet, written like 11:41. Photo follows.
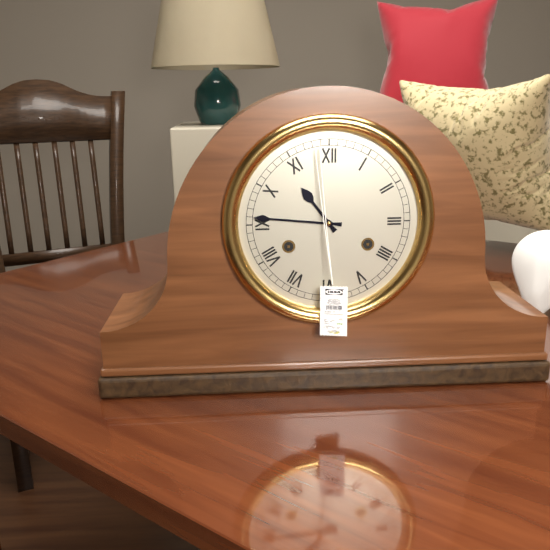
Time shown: 10:46
